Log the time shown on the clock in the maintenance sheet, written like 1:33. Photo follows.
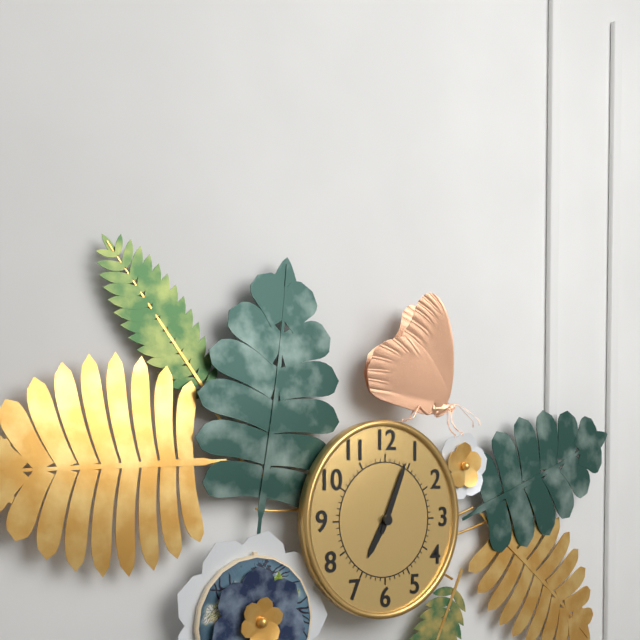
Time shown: 7:04
